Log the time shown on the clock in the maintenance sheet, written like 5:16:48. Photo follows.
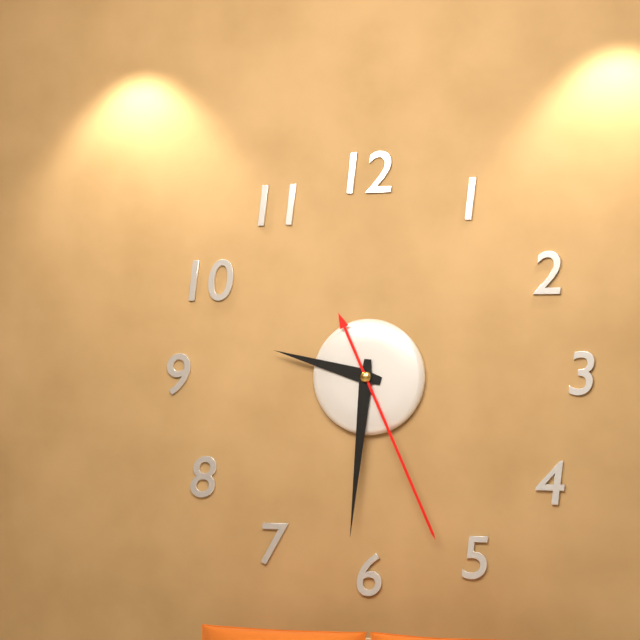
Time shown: 9:31:26
